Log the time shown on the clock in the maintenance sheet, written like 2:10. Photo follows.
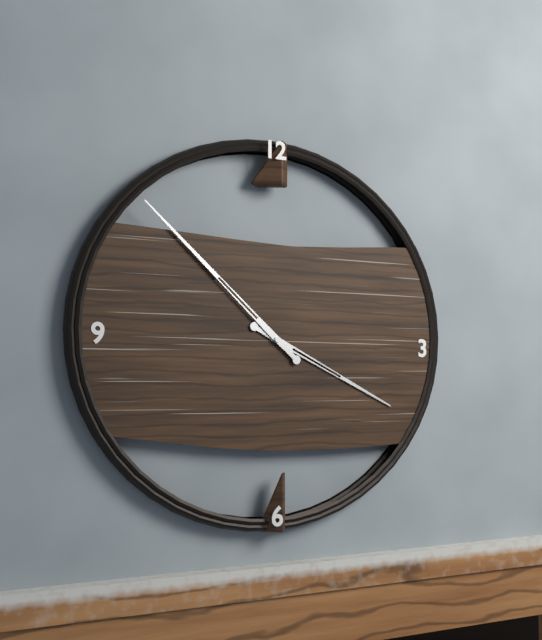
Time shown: 3:52
